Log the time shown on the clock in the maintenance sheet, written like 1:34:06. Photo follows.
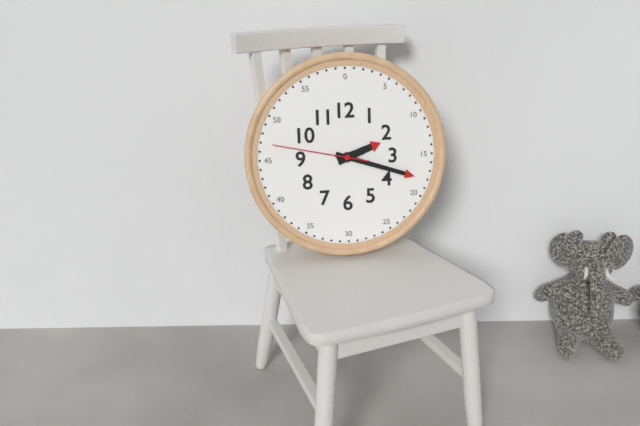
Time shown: 2:18:47
